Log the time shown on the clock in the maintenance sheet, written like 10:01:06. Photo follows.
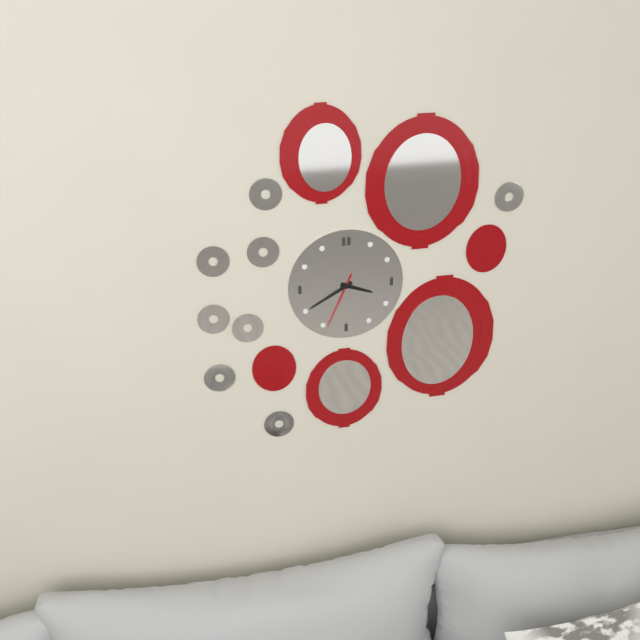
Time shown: 3:40:34
